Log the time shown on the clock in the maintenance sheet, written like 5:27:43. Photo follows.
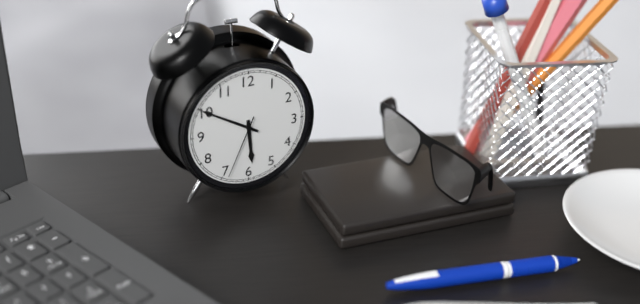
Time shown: 5:50:34
